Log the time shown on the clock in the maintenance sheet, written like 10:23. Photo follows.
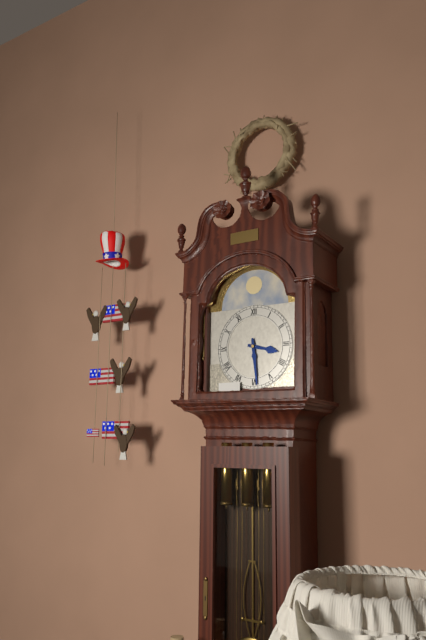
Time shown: 3:29
